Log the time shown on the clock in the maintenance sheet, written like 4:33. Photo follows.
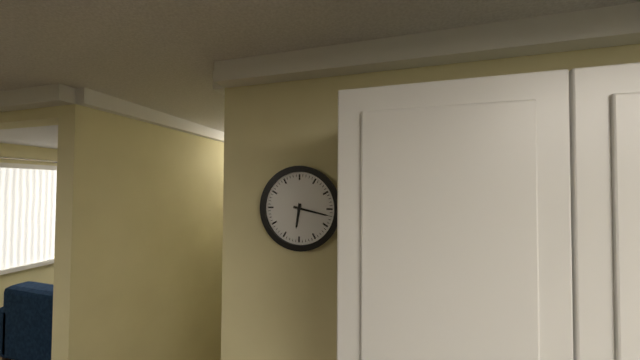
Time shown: 6:17
